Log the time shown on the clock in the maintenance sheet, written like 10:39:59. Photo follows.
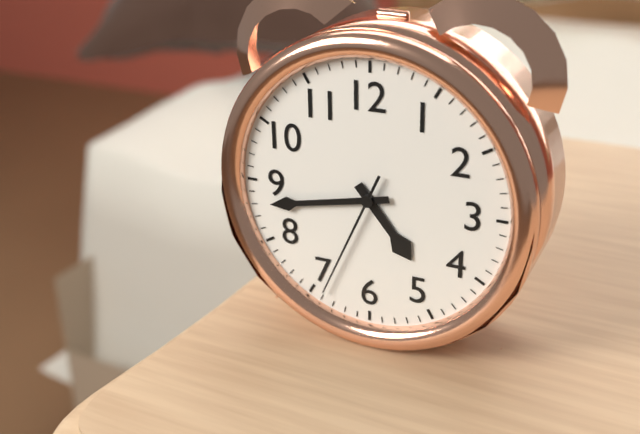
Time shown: 4:43:34
